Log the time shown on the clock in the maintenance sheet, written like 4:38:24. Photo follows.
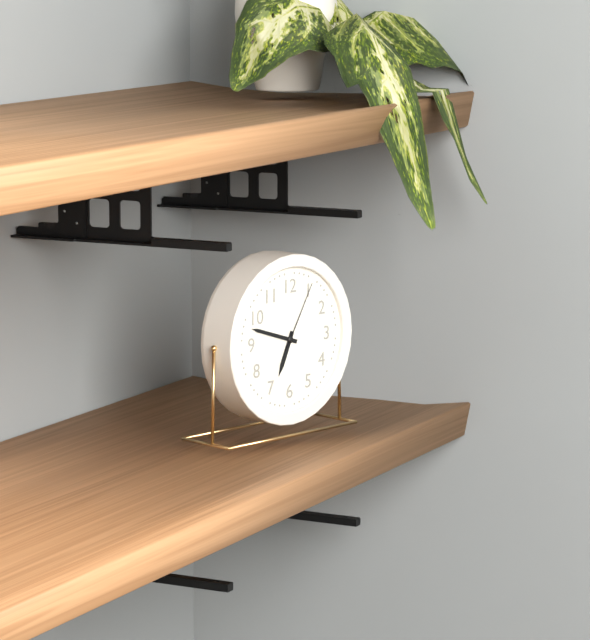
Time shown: 6:48:05
